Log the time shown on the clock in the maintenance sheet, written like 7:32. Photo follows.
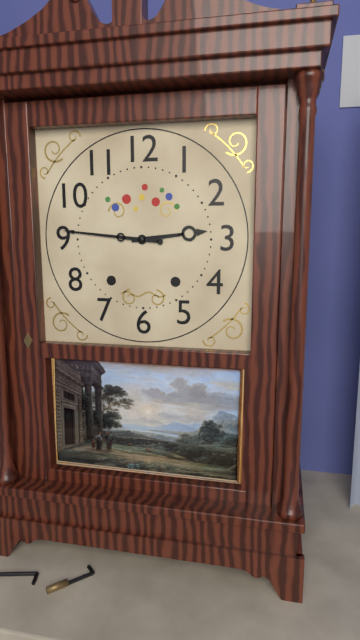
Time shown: 2:46
